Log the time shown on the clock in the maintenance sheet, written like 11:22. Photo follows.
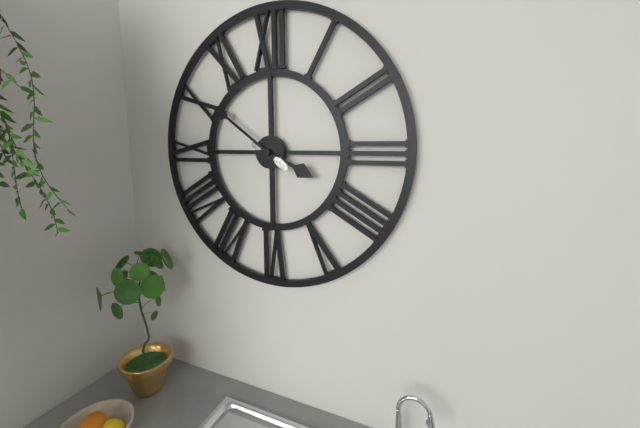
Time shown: 3:51
